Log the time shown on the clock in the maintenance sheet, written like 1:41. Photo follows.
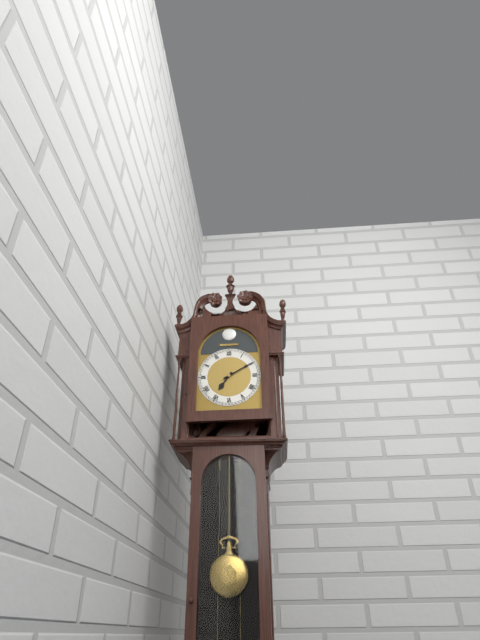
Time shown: 7:10
